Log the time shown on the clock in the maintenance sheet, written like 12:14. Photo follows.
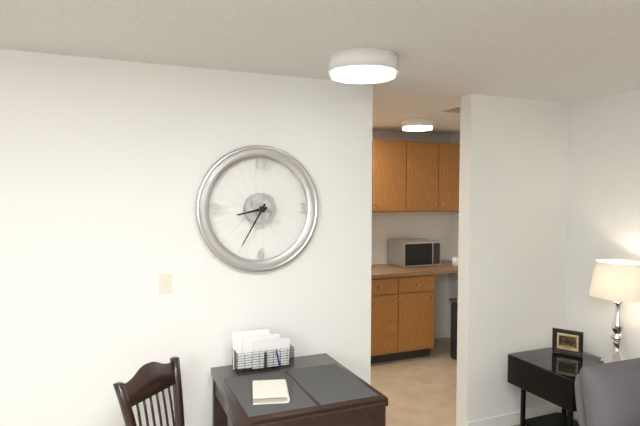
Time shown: 8:35
